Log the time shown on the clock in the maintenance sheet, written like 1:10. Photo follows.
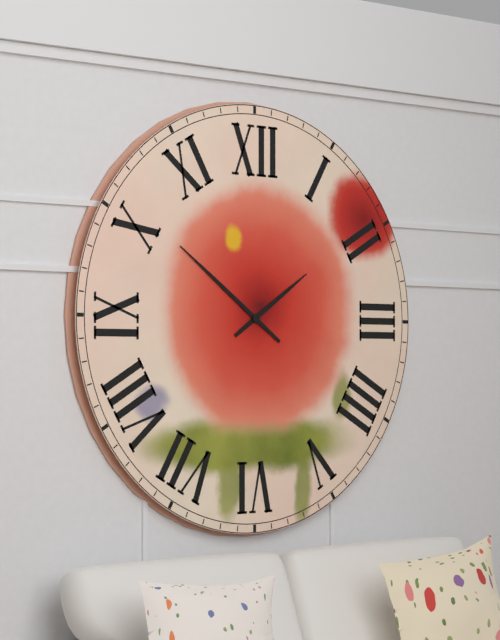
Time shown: 1:51
